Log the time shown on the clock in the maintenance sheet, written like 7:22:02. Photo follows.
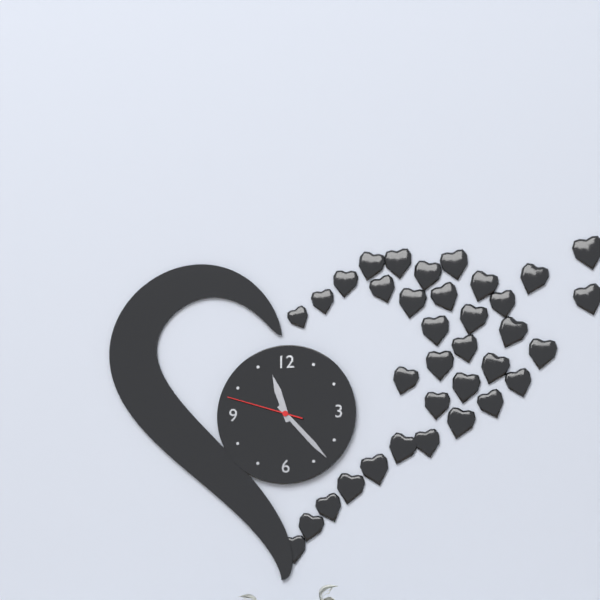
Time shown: 11:23:48
